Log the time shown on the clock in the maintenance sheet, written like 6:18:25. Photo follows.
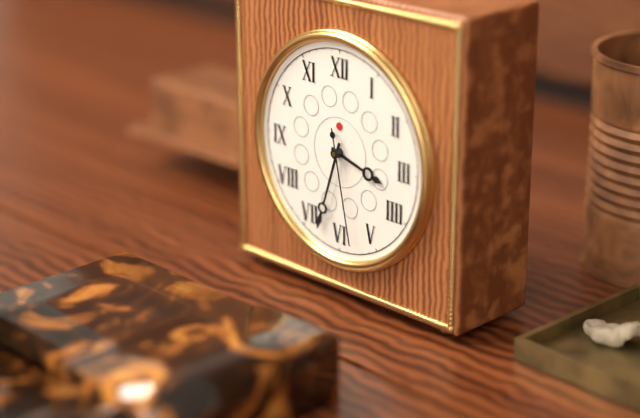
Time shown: 3:33:28
